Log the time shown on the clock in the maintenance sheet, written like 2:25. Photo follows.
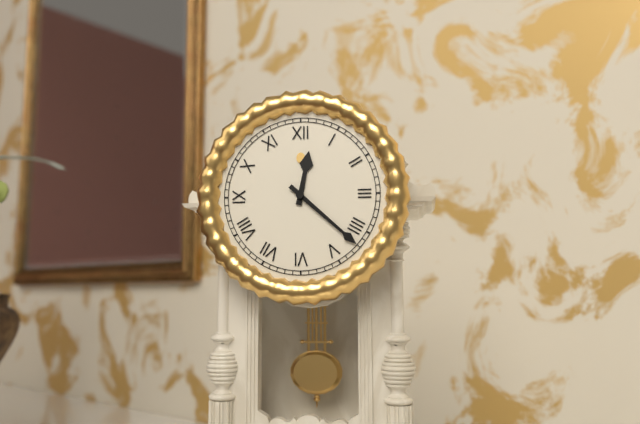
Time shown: 12:22
